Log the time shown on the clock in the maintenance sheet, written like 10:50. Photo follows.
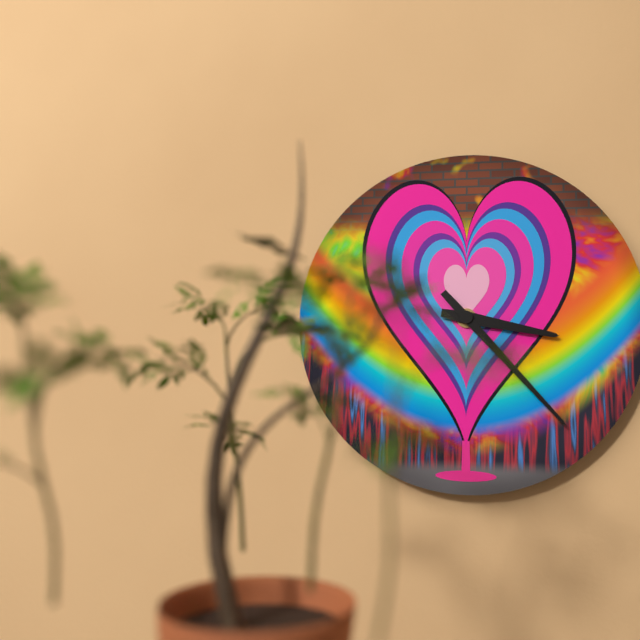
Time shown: 3:23
